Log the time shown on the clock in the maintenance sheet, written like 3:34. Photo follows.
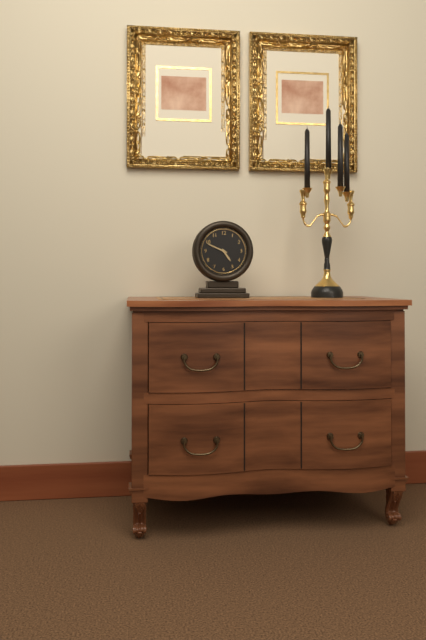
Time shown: 4:49
